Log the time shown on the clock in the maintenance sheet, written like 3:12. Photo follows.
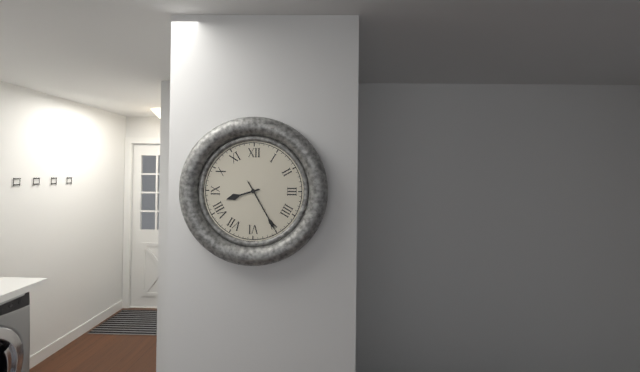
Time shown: 8:25
